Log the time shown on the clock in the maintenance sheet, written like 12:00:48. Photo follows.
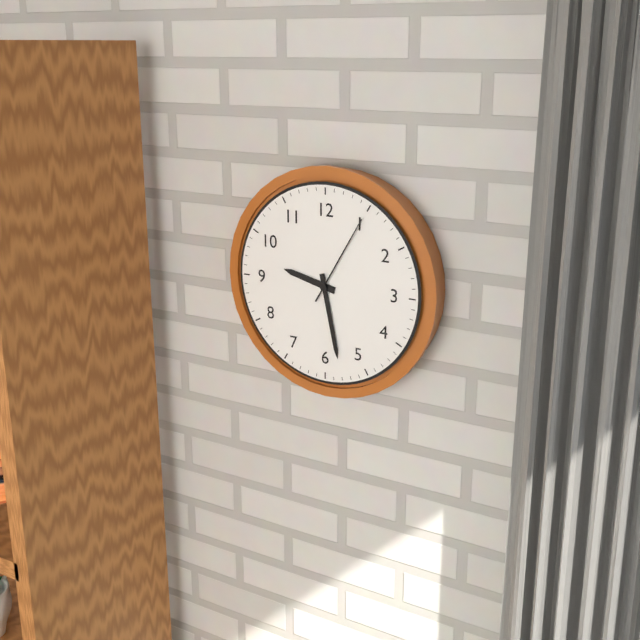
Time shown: 9:28:05
